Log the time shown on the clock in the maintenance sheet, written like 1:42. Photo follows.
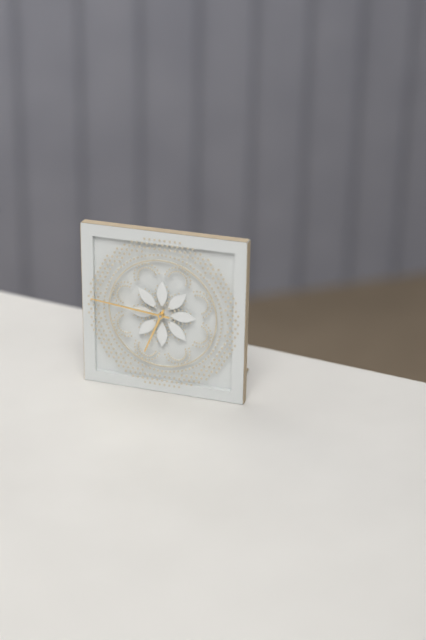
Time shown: 6:46
